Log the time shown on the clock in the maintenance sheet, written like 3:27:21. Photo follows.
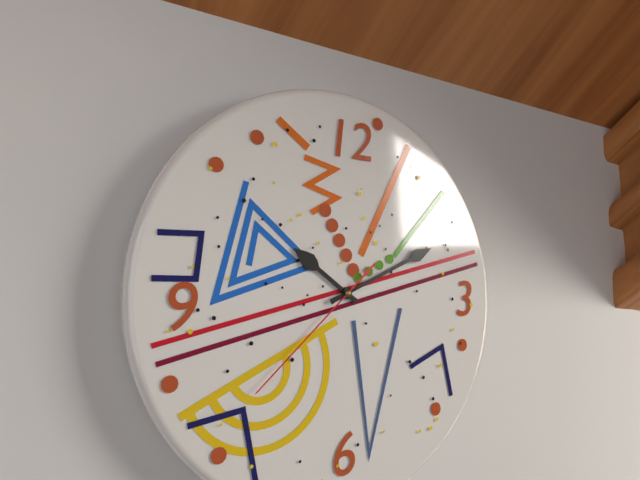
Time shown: 10:11:38
